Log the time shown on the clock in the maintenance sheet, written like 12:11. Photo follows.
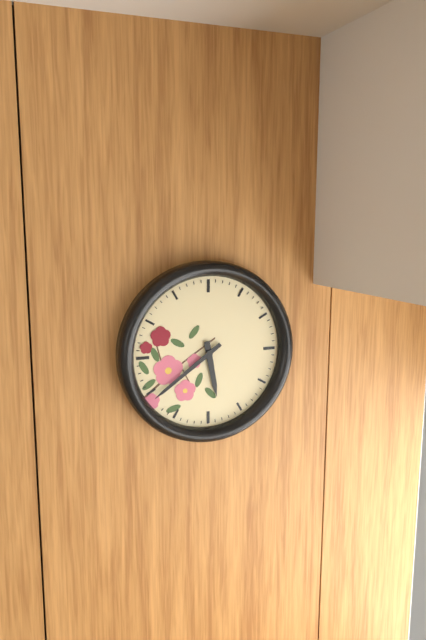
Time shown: 5:39
